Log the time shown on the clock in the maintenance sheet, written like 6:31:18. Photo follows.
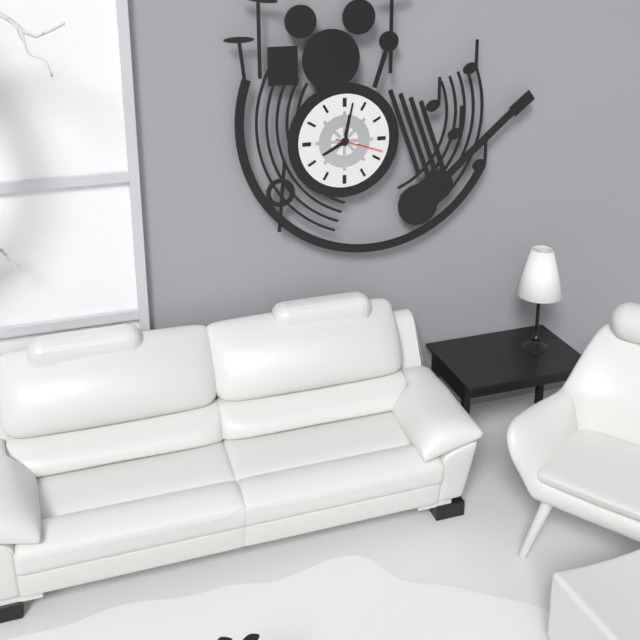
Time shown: 8:02:18
